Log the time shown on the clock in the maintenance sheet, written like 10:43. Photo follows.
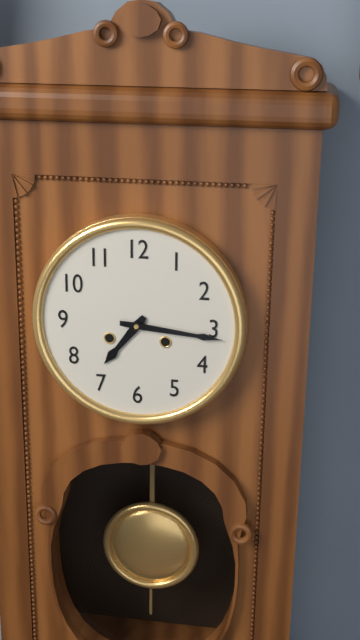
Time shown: 7:16
